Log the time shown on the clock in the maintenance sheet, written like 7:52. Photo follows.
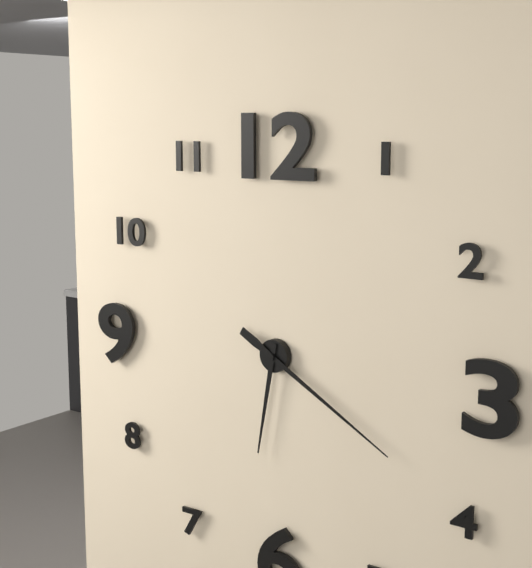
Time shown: 6:20
